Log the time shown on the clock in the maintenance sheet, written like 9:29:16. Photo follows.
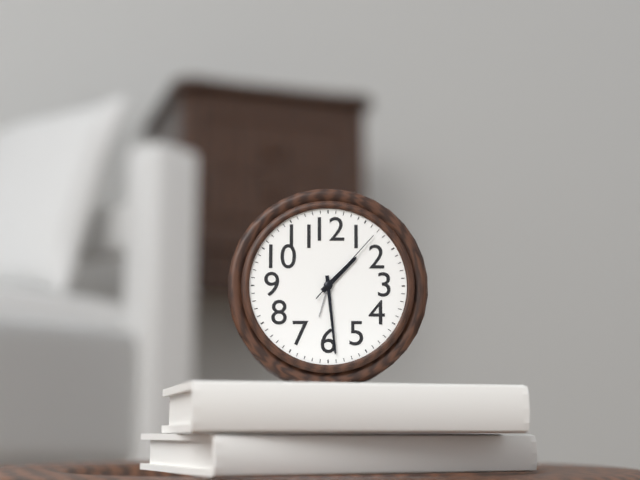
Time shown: 1:29:07
